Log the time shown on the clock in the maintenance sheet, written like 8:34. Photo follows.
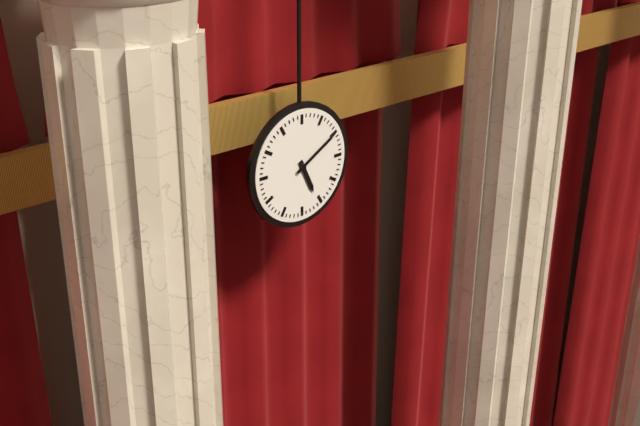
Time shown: 5:10
